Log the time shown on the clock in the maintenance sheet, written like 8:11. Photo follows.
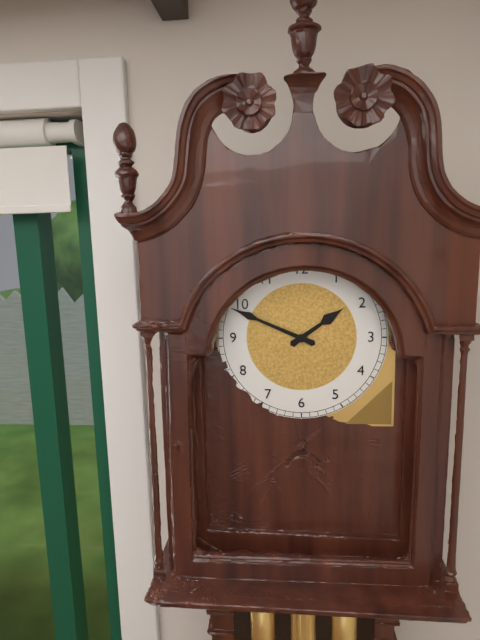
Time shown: 1:49
